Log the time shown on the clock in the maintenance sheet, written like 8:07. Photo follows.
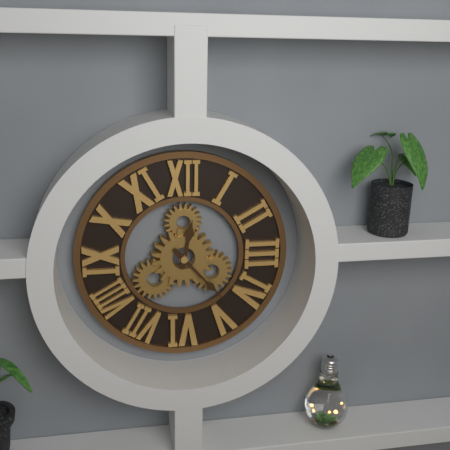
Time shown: 12:23
